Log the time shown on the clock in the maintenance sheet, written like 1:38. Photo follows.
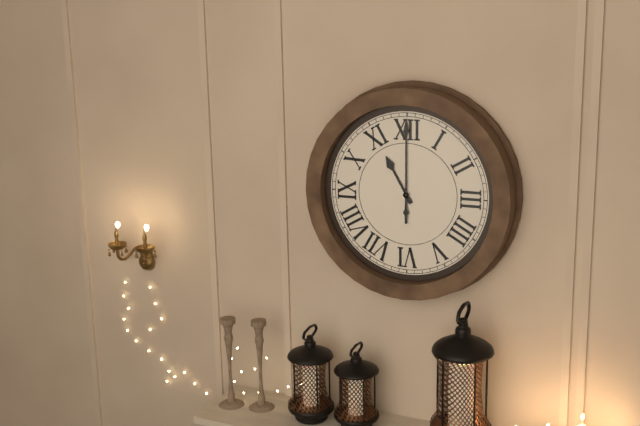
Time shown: 11:00
